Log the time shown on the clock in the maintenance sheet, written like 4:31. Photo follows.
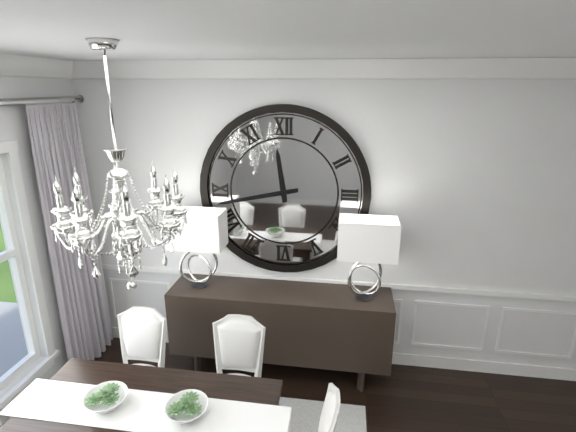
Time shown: 11:43
